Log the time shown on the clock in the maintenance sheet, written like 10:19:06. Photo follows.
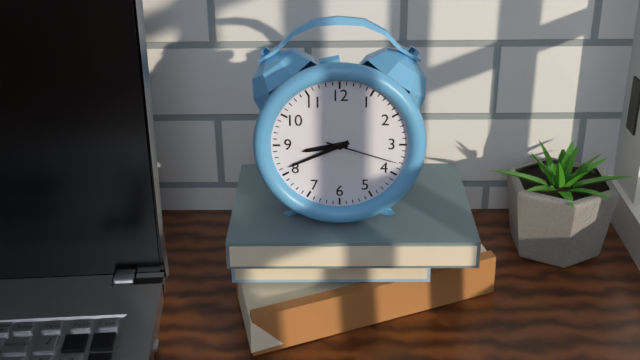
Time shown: 8:41:18
